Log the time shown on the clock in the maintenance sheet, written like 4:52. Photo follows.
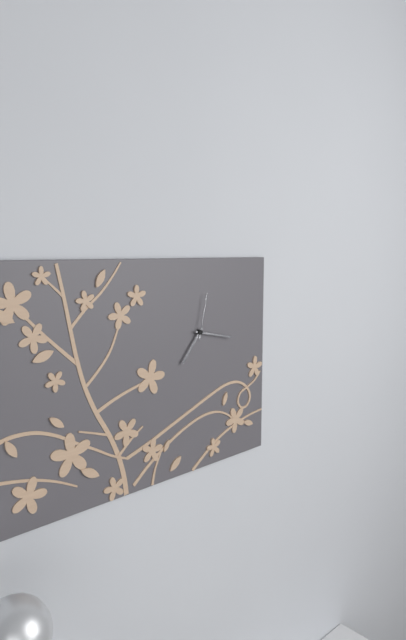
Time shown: 7:17
